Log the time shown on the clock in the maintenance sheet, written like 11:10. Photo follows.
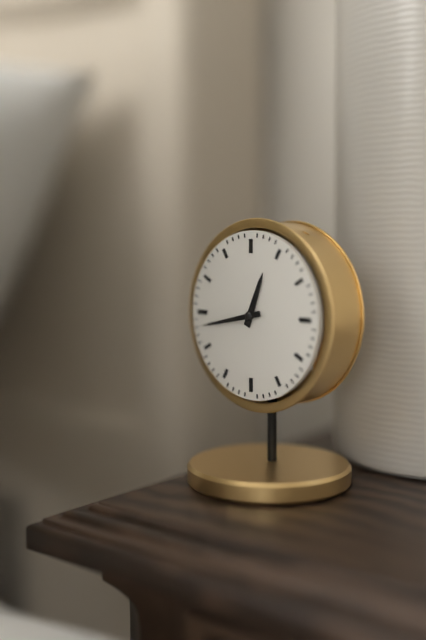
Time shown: 12:43
